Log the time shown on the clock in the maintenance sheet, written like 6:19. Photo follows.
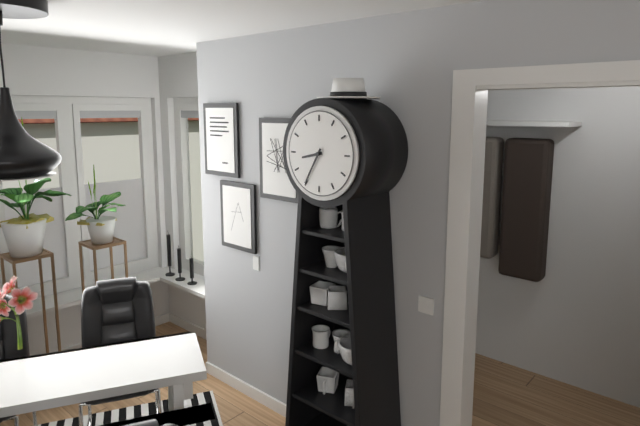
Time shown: 8:35
